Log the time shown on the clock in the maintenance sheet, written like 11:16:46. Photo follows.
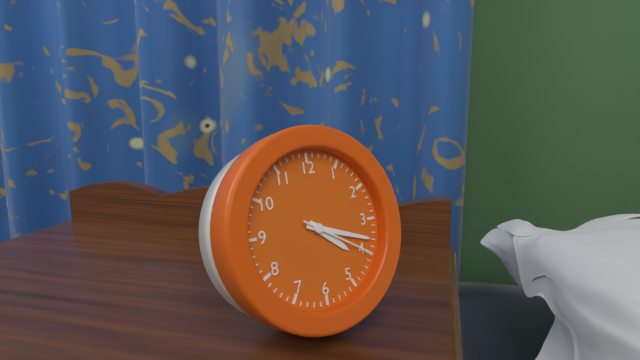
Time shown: 4:18:20
